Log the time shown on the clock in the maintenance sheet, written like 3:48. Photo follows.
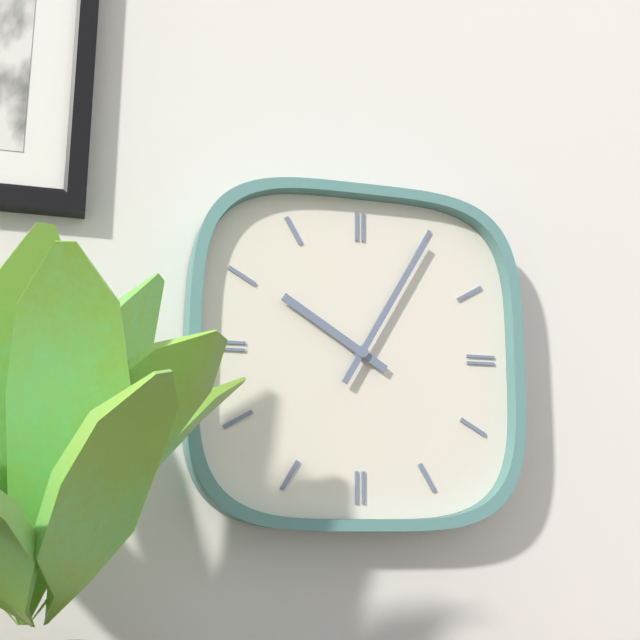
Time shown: 10:05
